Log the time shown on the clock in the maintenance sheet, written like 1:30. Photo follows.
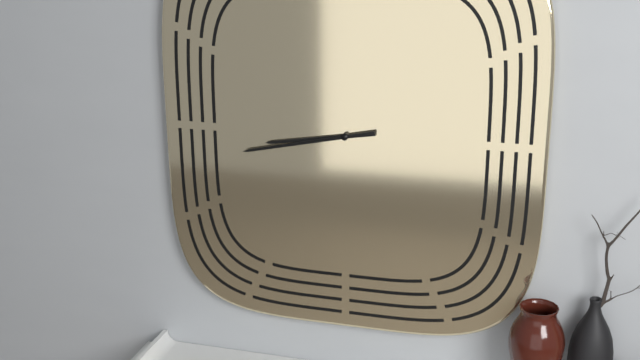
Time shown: 8:43
